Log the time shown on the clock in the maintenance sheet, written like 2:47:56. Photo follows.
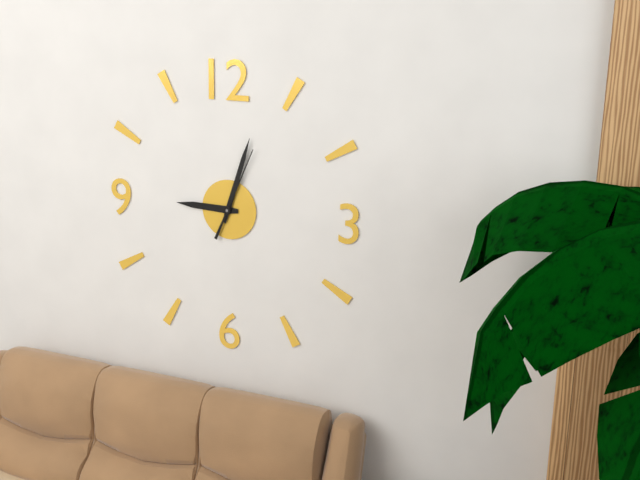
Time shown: 9:03:04
